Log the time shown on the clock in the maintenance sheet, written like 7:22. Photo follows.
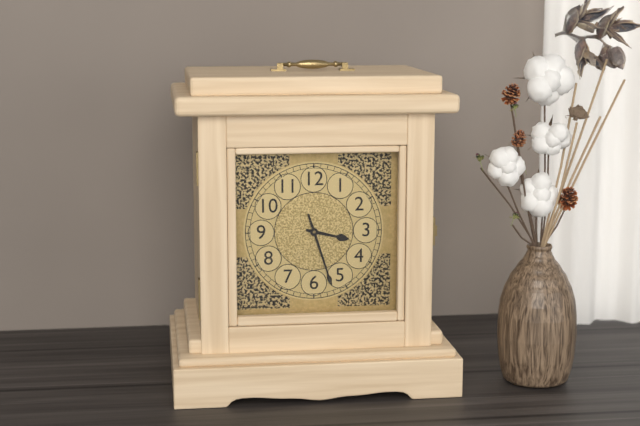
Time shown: 3:27
